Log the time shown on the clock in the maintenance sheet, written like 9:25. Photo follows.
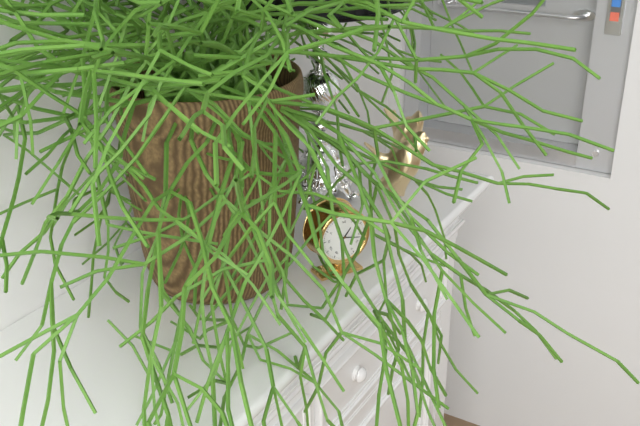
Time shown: 1:17
